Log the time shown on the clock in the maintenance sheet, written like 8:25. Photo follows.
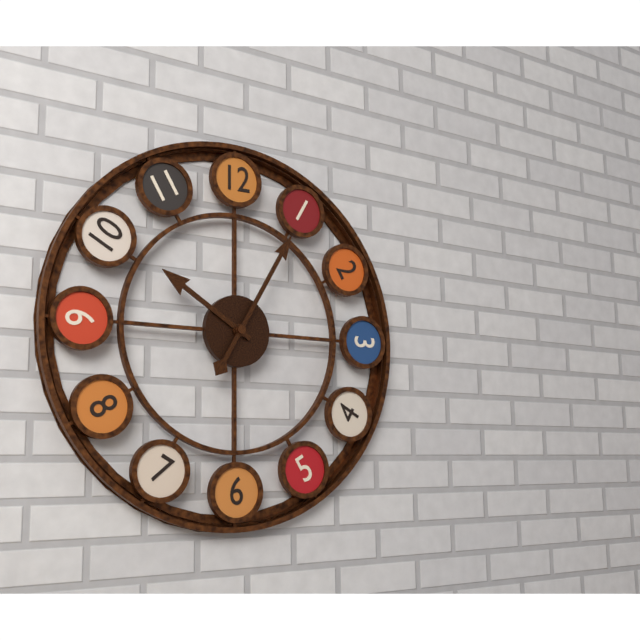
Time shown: 10:05
